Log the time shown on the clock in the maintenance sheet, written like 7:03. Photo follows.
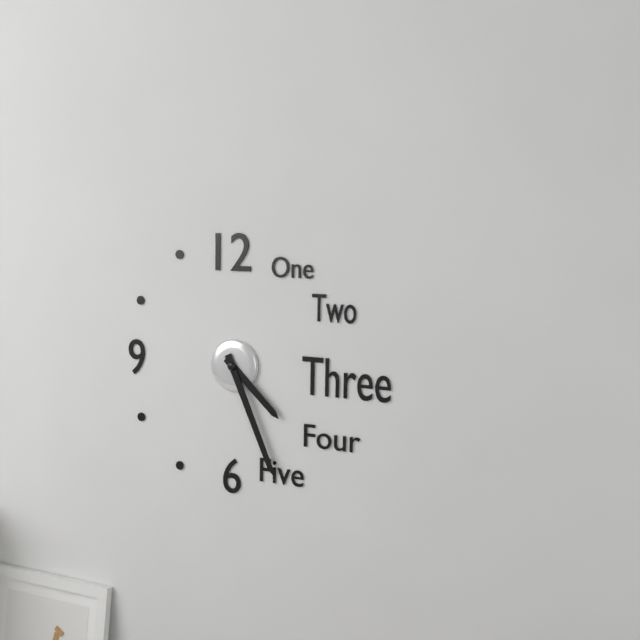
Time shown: 4:26
